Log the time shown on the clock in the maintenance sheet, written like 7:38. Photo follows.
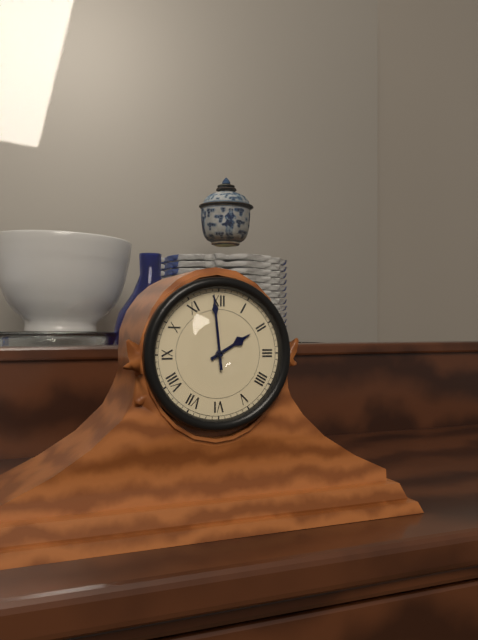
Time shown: 1:59
